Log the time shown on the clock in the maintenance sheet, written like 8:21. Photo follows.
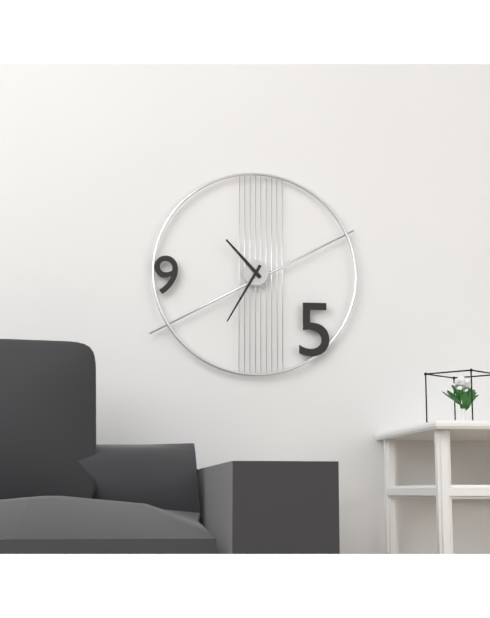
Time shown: 10:35
